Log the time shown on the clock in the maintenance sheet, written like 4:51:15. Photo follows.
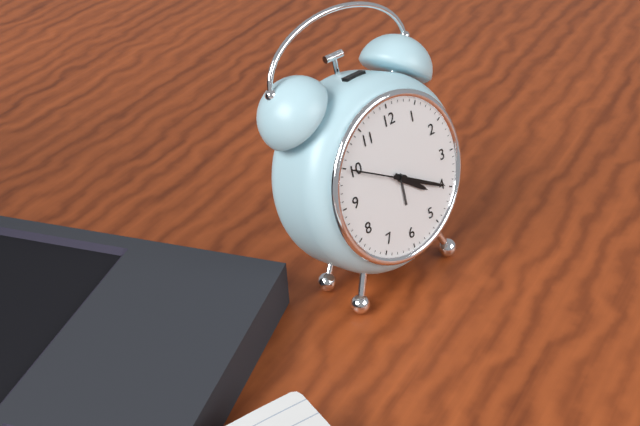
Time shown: 4:20:50
